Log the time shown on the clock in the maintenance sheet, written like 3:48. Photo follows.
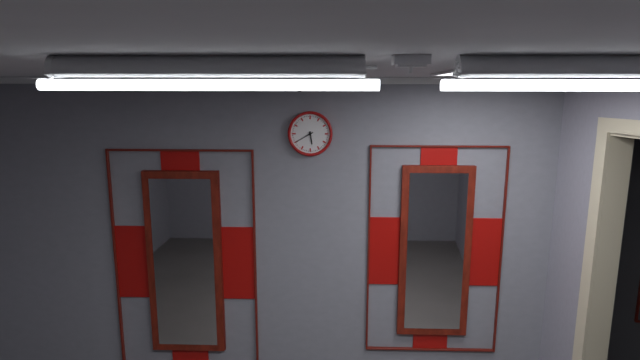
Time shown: 5:40
